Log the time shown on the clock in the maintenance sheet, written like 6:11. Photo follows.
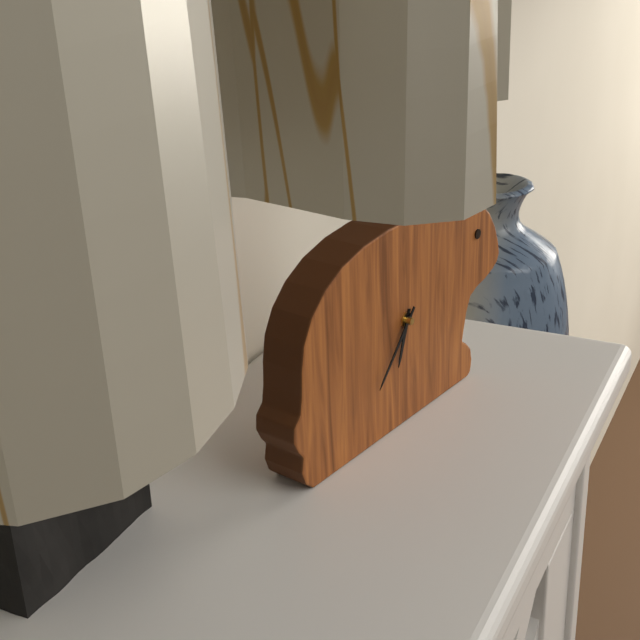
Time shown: 6:37
